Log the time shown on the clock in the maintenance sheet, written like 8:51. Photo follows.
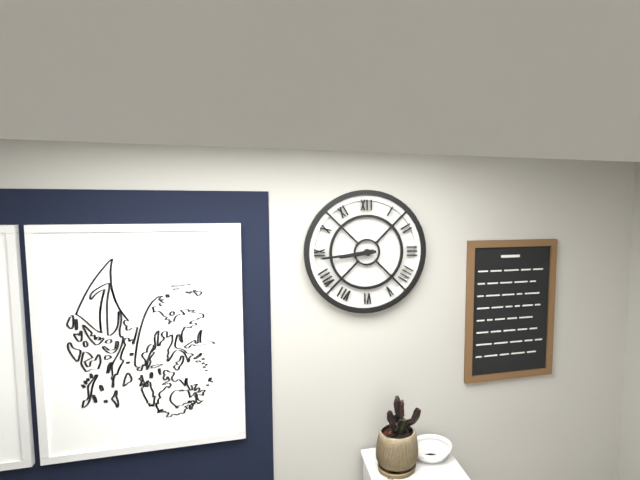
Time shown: 8:44
